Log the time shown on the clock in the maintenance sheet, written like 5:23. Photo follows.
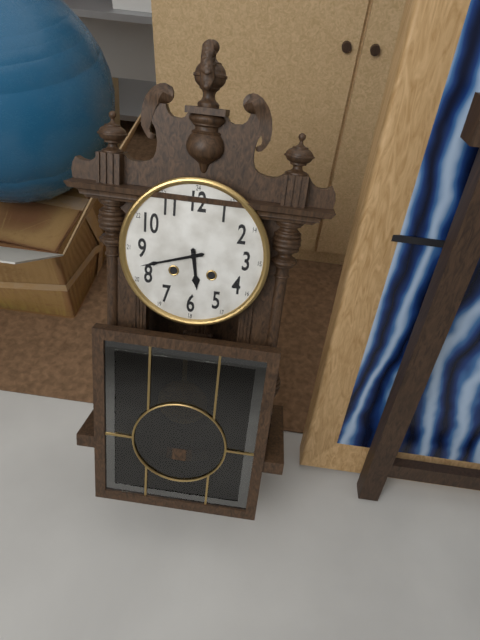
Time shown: 5:42
